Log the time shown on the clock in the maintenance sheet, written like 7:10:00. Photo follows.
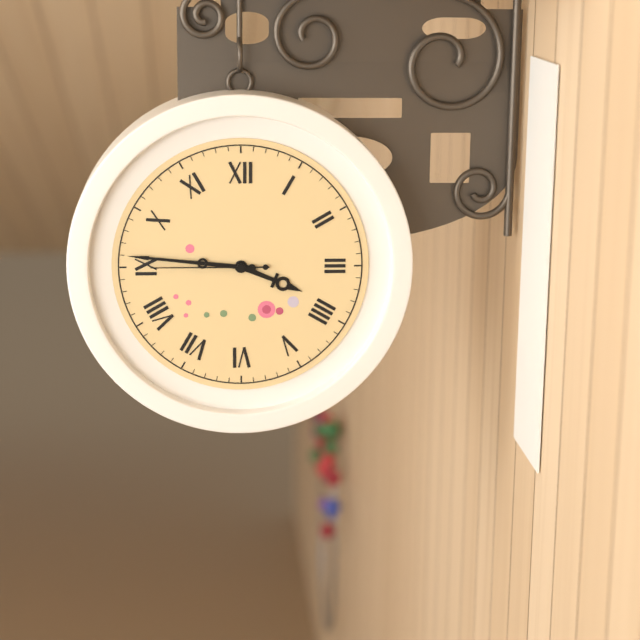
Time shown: 3:46:45
